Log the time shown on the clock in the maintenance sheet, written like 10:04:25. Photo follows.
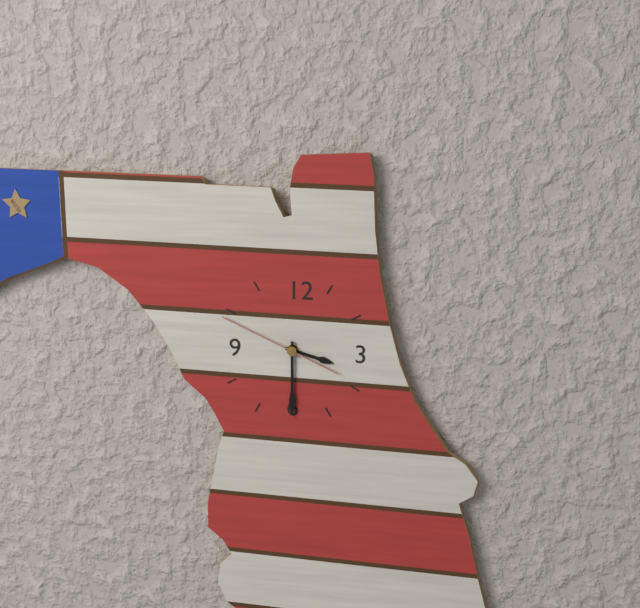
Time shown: 3:30:49
